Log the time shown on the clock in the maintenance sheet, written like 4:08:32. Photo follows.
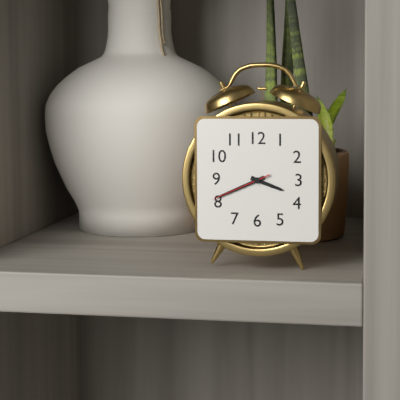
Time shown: 3:41:41
